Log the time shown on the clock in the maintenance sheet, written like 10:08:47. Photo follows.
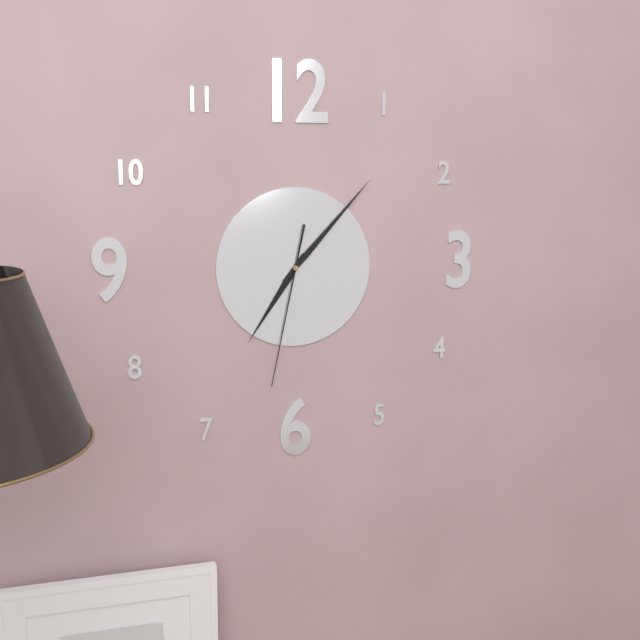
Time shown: 7:07:32
